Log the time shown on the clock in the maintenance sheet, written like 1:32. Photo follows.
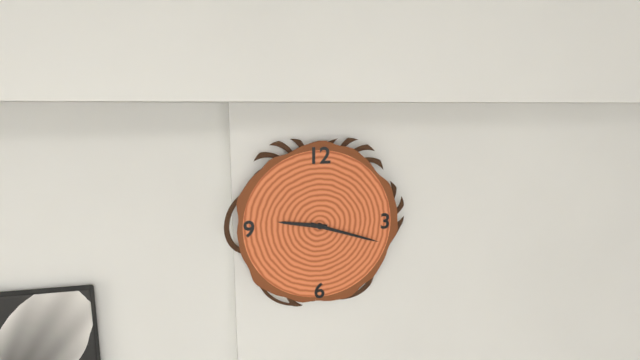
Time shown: 9:18
